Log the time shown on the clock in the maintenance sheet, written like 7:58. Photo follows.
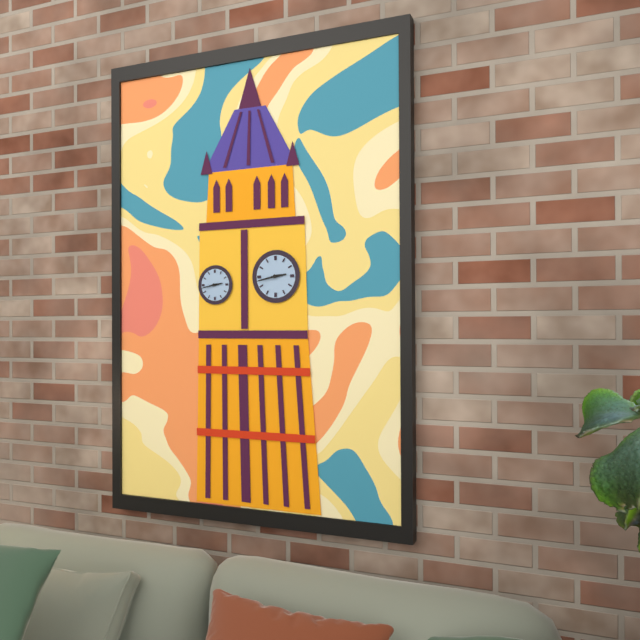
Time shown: 2:43
